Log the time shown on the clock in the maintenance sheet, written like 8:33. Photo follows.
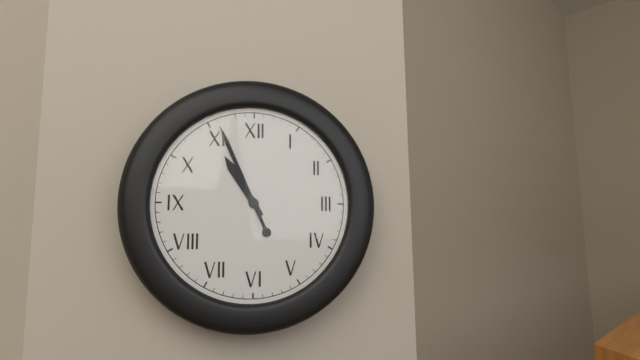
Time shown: 10:56
